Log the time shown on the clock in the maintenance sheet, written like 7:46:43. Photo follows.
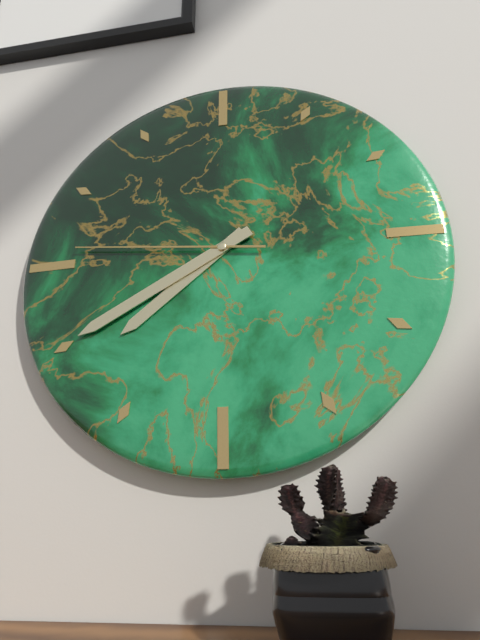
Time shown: 7:40:46
